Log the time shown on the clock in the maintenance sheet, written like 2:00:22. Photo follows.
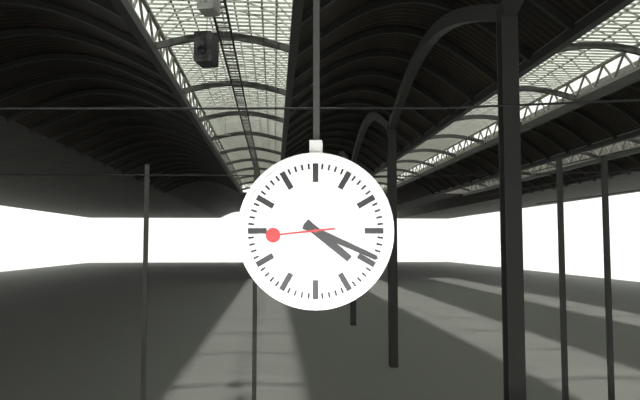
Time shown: 4:19:44
